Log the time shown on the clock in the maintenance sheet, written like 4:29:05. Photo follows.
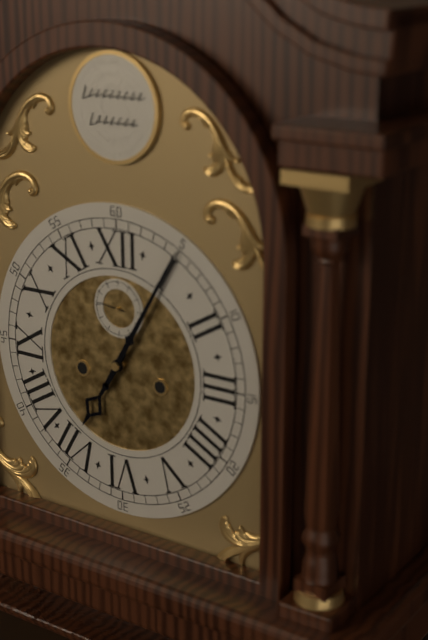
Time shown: 7:05:46
